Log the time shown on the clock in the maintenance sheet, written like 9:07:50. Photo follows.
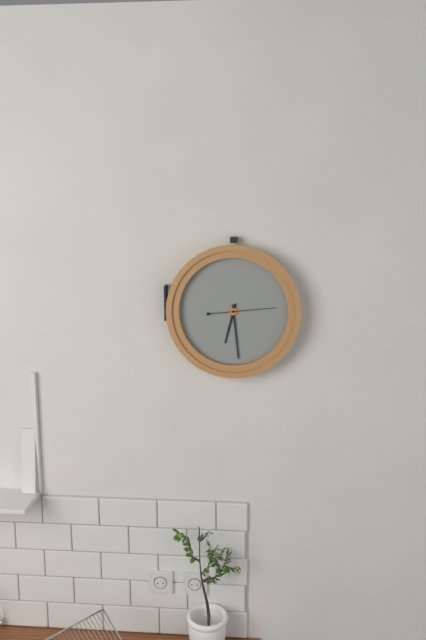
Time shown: 6:29:14
